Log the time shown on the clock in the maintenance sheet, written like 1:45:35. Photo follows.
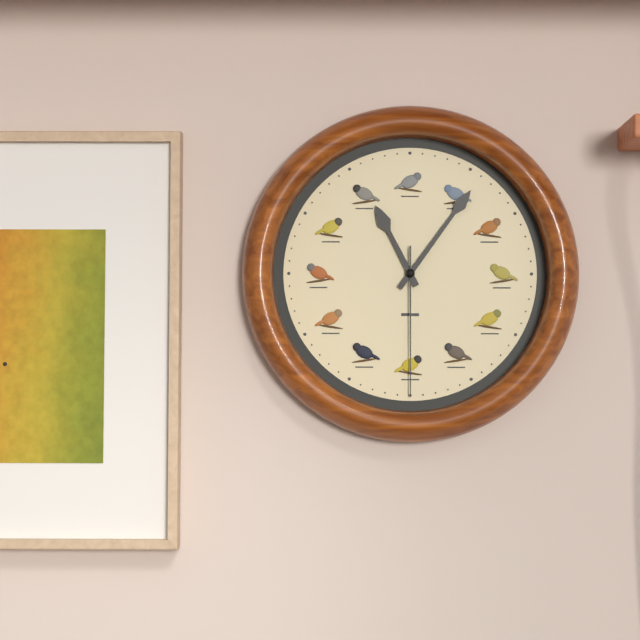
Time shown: 11:06:30
